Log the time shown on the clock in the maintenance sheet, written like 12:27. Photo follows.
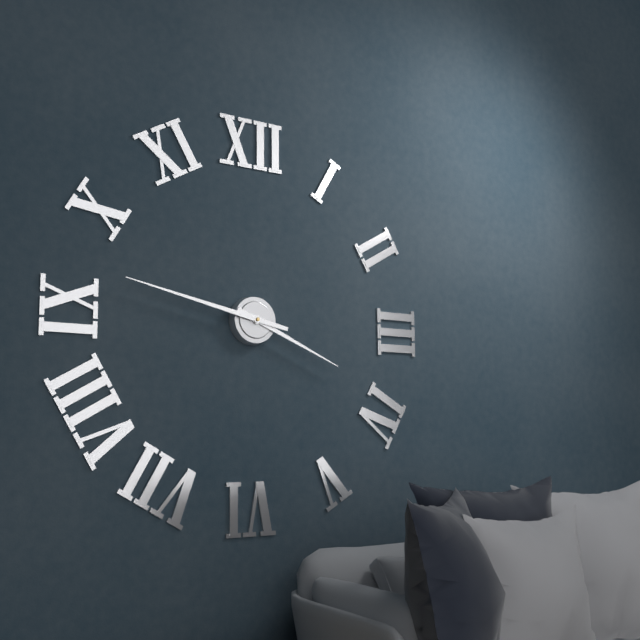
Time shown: 3:47
